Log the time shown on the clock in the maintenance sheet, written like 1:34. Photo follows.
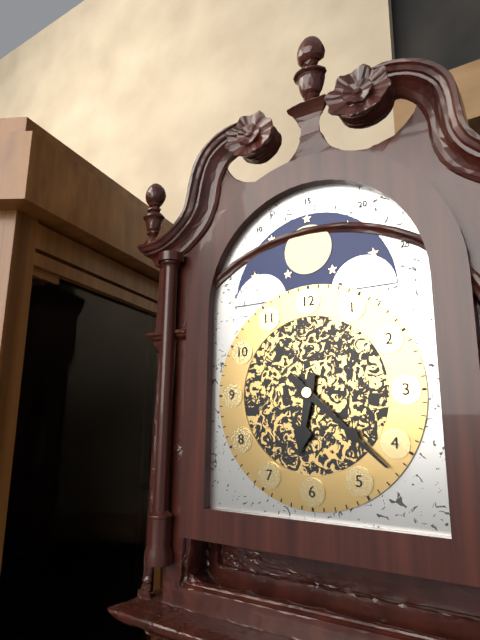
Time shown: 6:22
